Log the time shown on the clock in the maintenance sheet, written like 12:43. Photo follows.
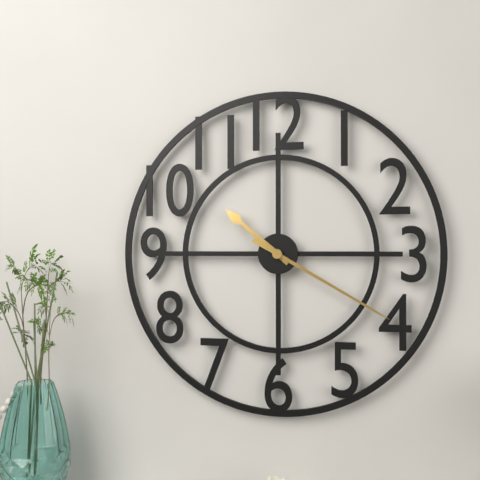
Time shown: 10:20
